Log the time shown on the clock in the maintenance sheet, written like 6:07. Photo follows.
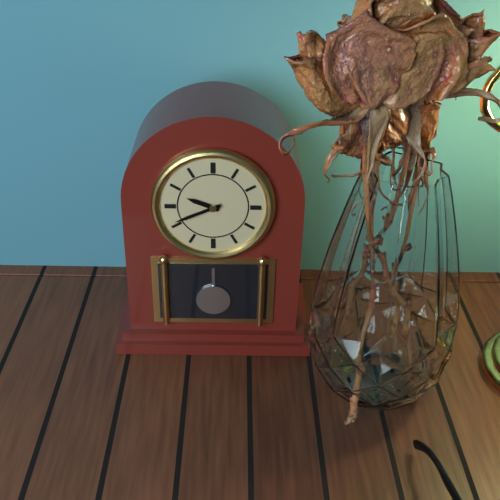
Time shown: 9:41
